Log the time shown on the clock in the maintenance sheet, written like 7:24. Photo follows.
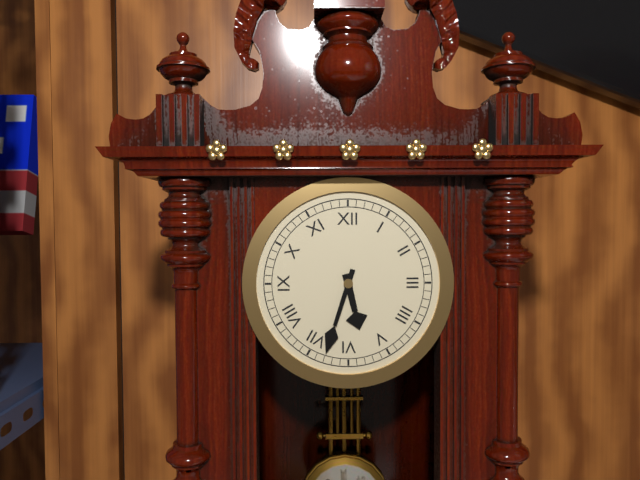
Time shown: 5:33
